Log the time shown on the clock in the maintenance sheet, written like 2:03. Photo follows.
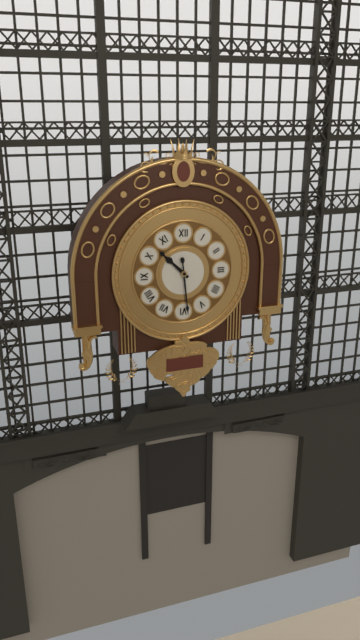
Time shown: 10:29
